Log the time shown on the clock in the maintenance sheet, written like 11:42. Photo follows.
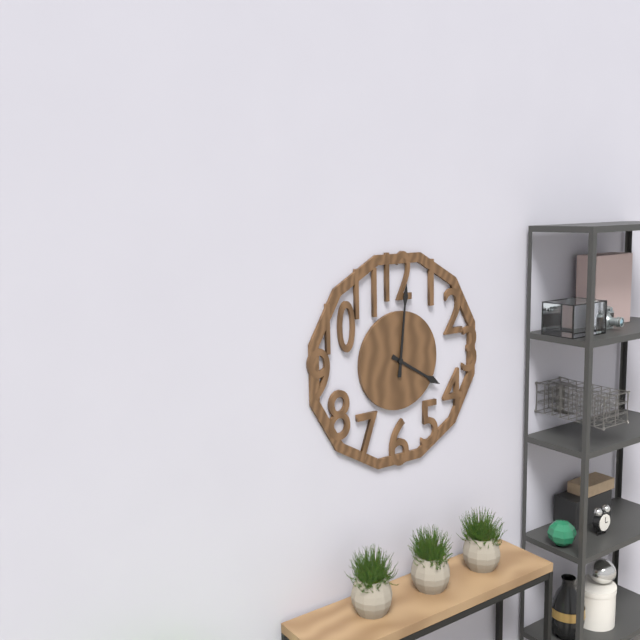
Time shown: 4:01
